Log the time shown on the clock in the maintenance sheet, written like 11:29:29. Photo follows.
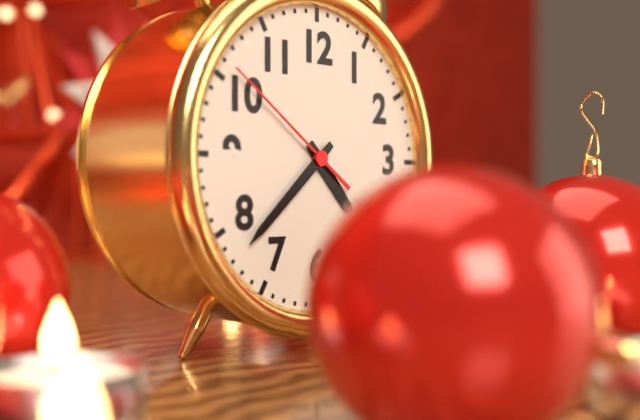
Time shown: 4:38:51
